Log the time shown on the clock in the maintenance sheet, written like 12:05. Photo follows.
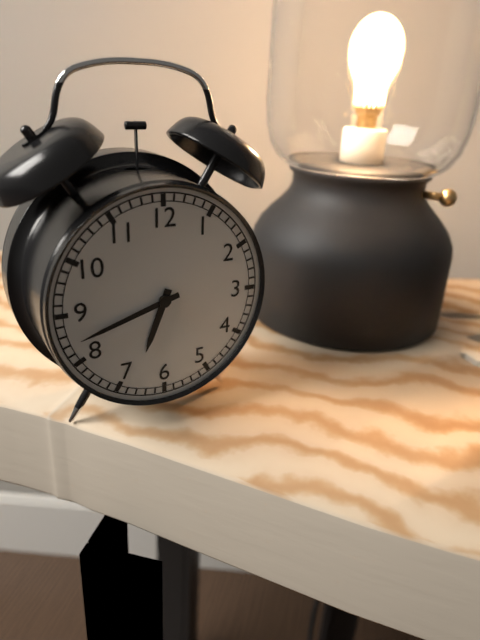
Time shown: 6:42
